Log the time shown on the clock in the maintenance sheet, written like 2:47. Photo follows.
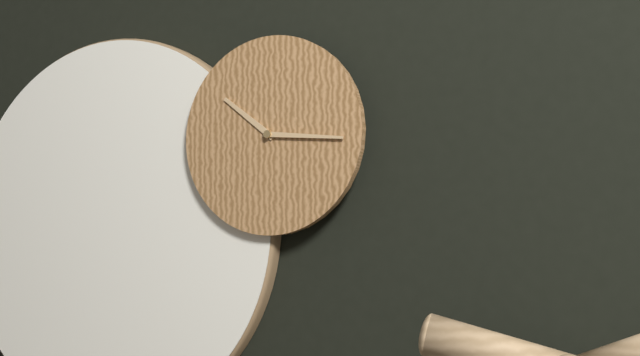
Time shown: 10:16
